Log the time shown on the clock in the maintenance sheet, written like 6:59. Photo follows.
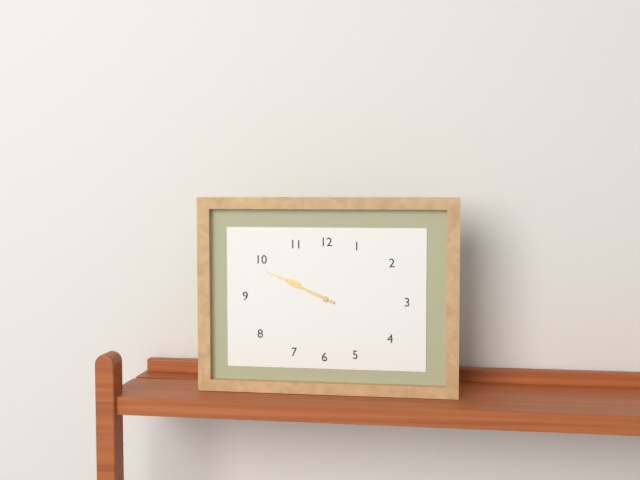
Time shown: 9:49
